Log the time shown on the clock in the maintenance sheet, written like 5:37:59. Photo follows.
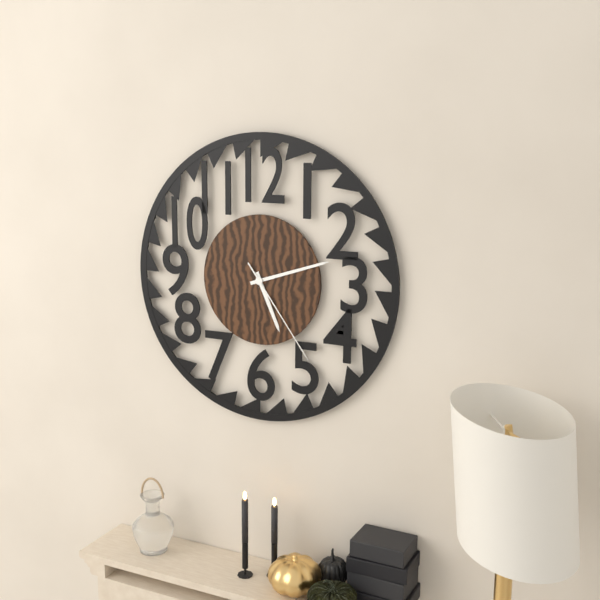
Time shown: 5:12:24
